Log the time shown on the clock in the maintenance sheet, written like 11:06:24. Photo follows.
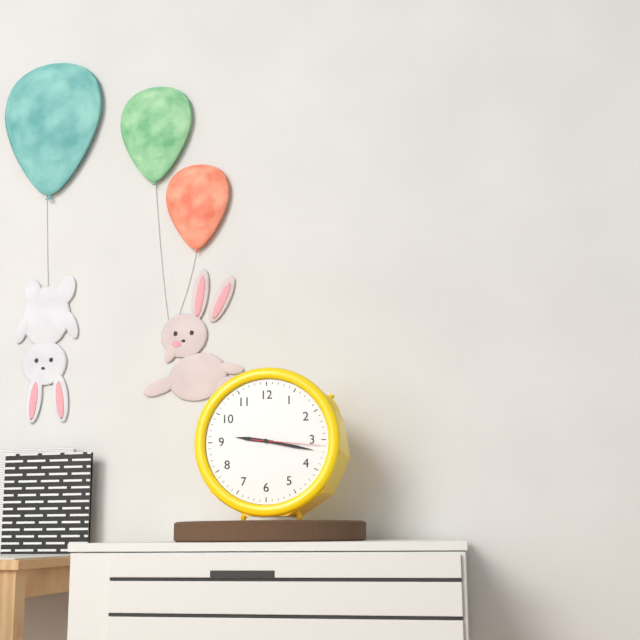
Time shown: 9:17:16
